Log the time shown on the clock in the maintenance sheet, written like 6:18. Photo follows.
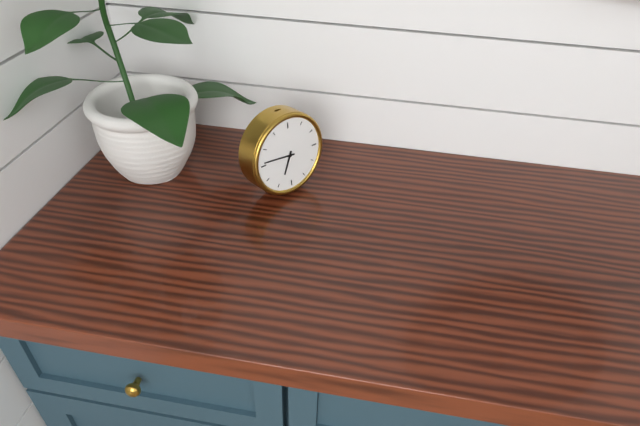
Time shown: 6:46
